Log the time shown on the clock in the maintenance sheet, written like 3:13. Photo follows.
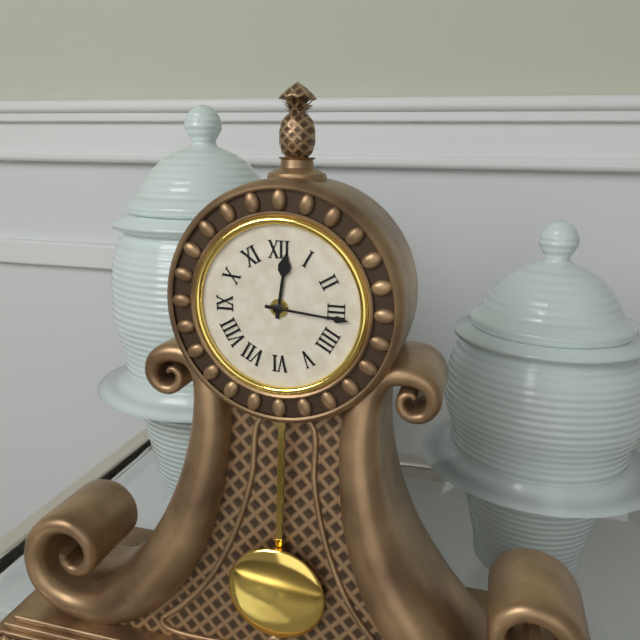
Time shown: 12:16
